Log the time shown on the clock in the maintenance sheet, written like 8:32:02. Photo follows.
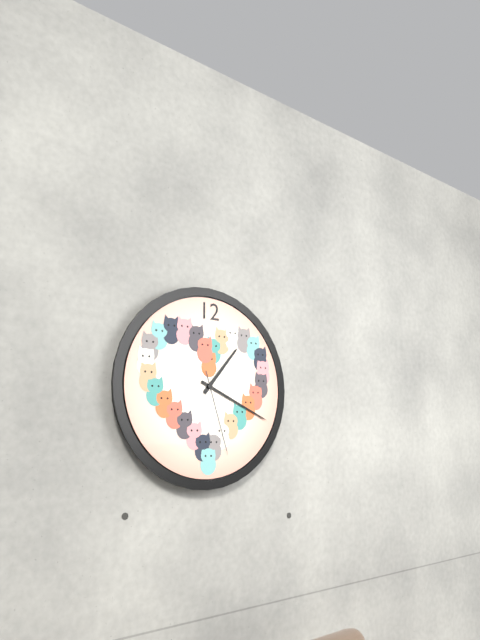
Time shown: 1:19:27
